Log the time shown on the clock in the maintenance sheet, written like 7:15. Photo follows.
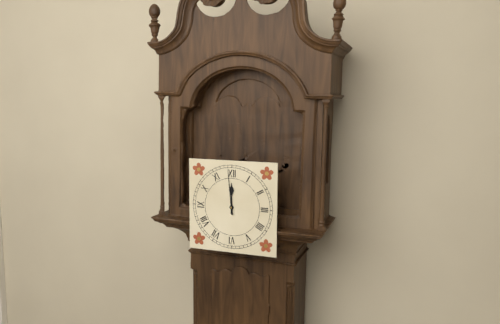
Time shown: 11:59
